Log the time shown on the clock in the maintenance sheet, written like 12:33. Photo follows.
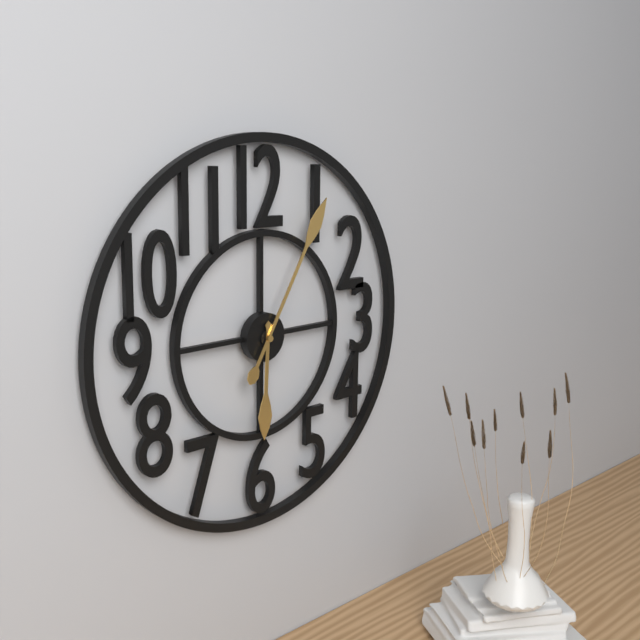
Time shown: 6:05
